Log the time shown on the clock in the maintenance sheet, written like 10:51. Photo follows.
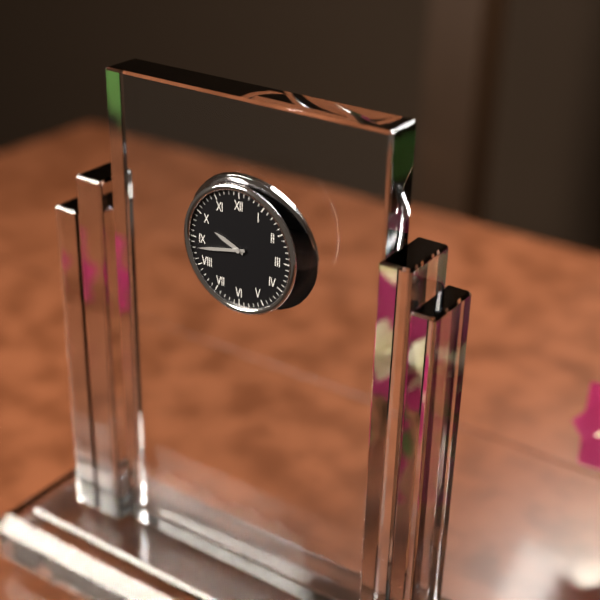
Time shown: 9:43
